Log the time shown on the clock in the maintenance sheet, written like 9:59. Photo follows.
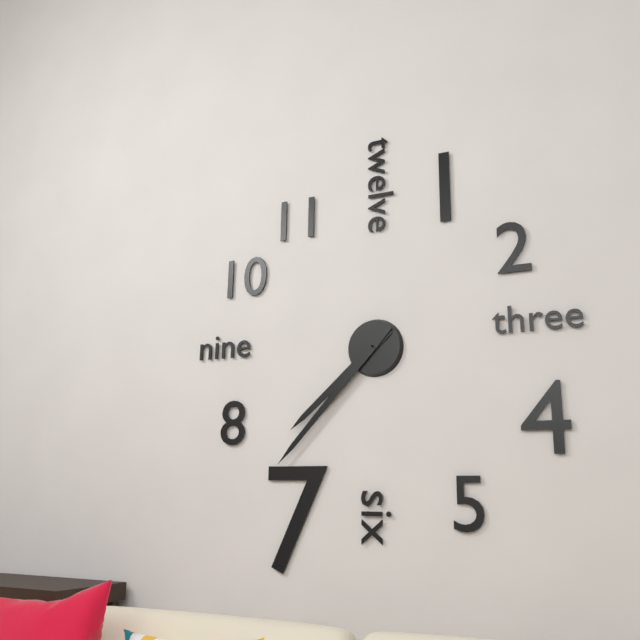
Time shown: 7:37
